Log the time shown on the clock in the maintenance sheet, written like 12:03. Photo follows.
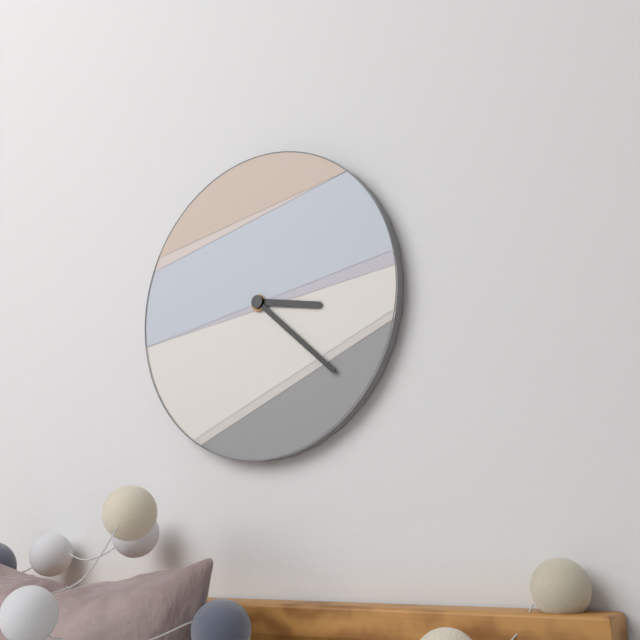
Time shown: 3:22
